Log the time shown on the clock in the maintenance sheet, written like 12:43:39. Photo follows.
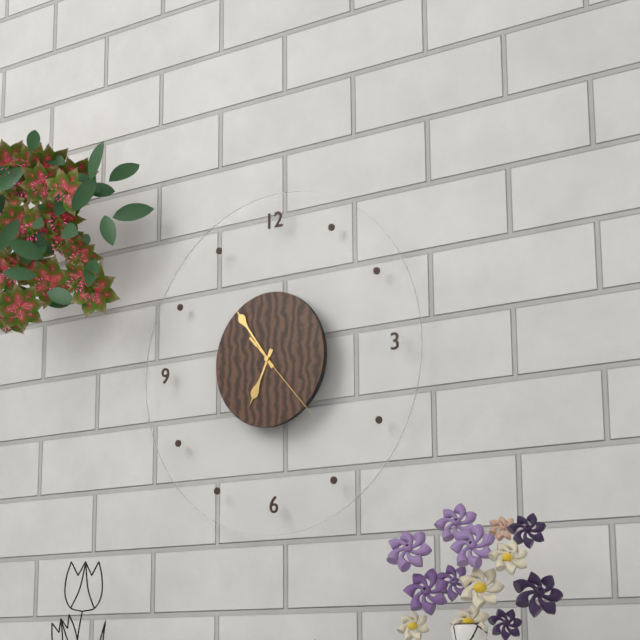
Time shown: 6:54:23
